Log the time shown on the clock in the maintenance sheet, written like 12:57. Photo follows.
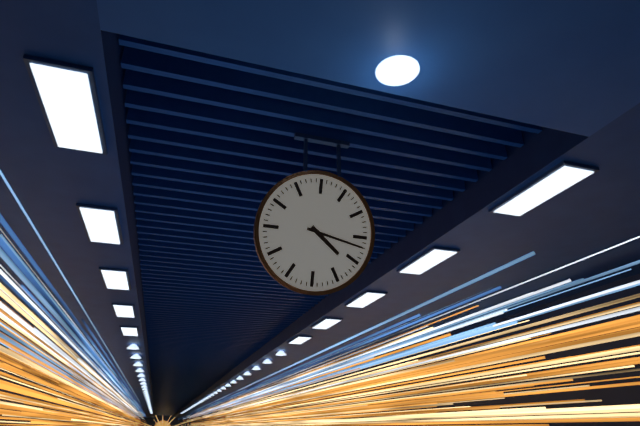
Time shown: 4:17
